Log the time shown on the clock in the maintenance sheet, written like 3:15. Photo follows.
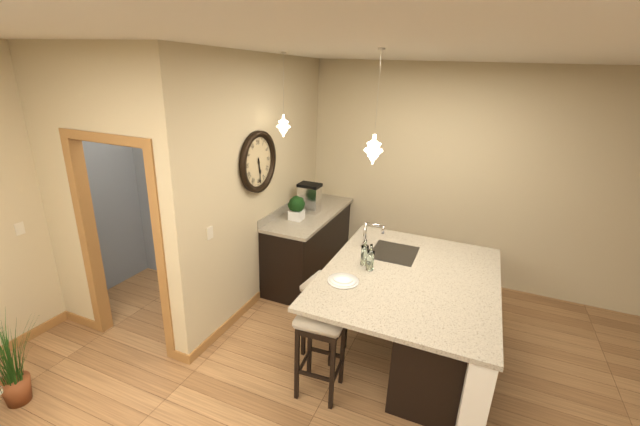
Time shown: 5:29
